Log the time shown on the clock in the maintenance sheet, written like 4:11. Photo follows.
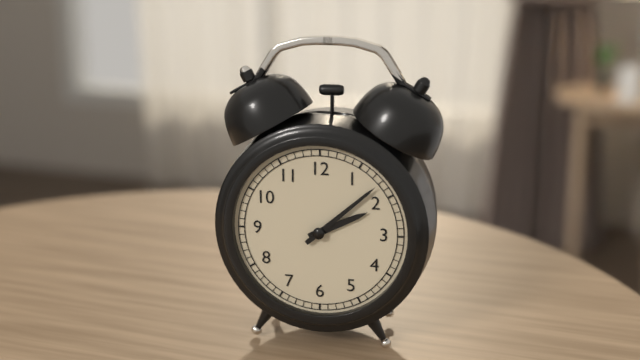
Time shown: 2:08
